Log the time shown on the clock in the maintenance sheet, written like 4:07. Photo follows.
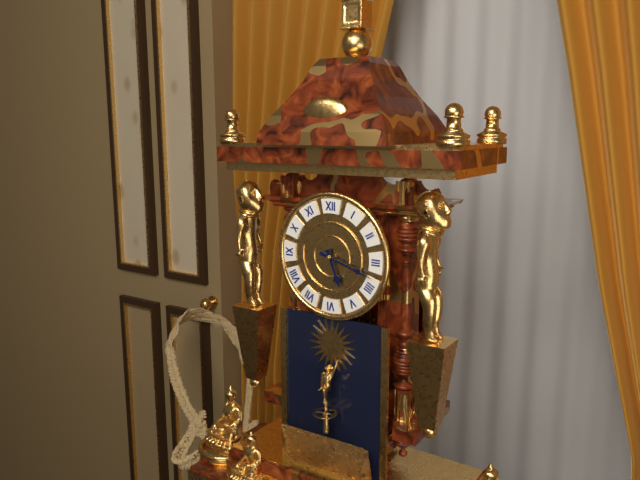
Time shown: 5:18
